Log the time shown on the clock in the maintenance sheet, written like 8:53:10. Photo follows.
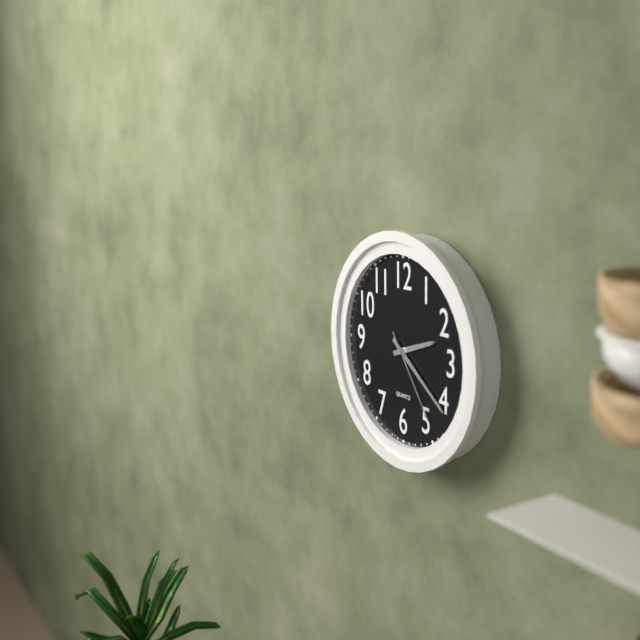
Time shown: 2:21:24
